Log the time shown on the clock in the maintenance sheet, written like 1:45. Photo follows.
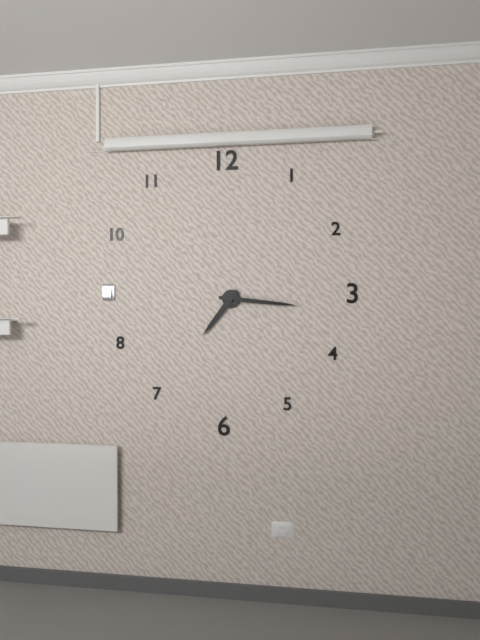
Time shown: 7:16
